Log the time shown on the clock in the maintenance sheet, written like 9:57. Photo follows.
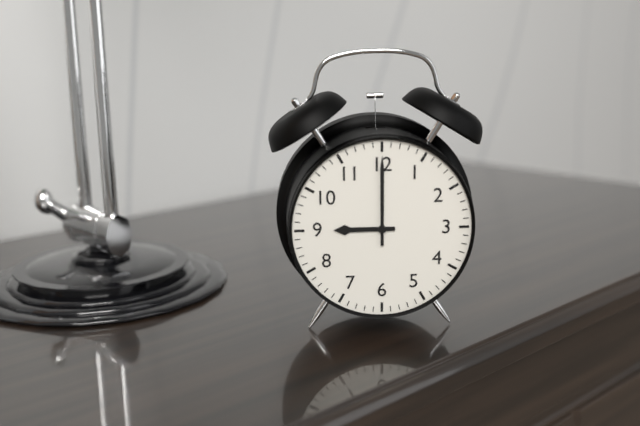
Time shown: 9:00
